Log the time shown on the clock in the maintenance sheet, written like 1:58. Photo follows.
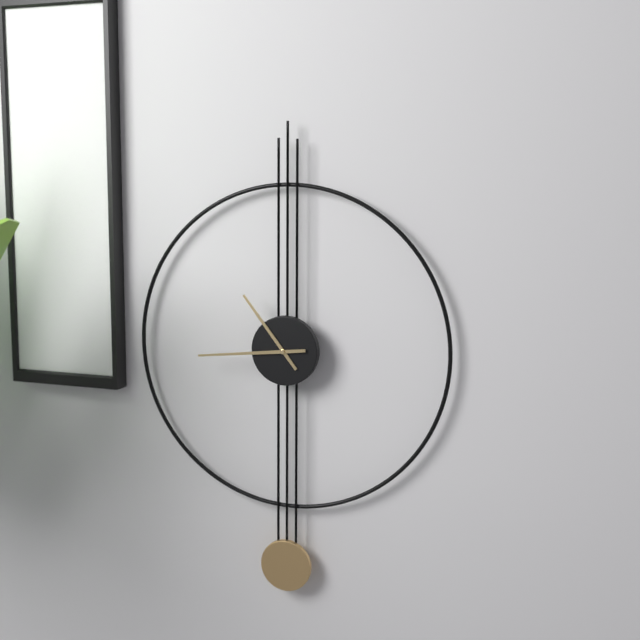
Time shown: 10:44
